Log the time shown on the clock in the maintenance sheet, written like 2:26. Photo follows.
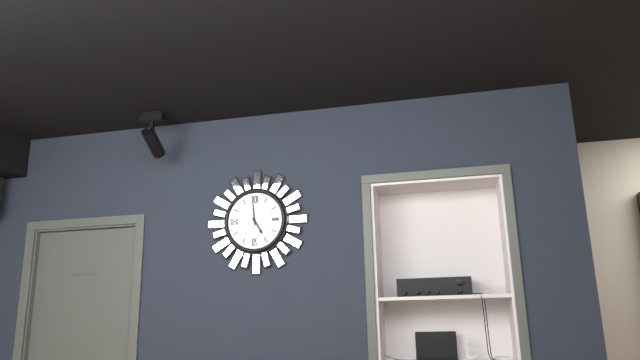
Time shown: 4:59
